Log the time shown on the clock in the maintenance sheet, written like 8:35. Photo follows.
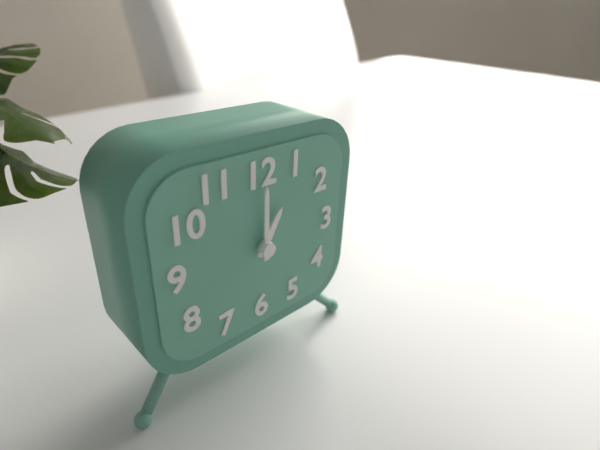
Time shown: 1:00
